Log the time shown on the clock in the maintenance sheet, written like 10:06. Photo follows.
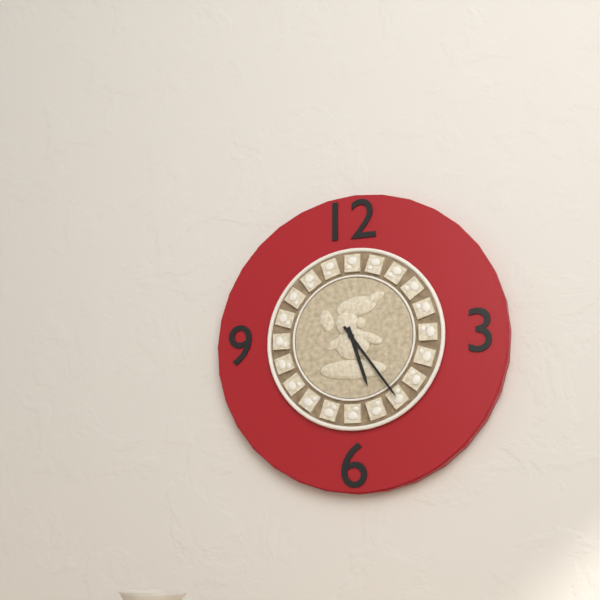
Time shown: 5:24
